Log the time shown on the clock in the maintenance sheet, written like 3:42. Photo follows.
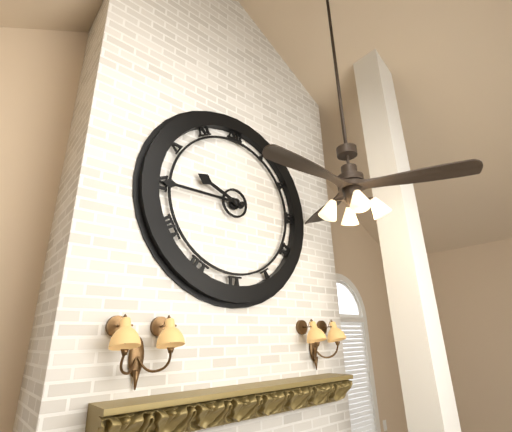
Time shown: 9:45
